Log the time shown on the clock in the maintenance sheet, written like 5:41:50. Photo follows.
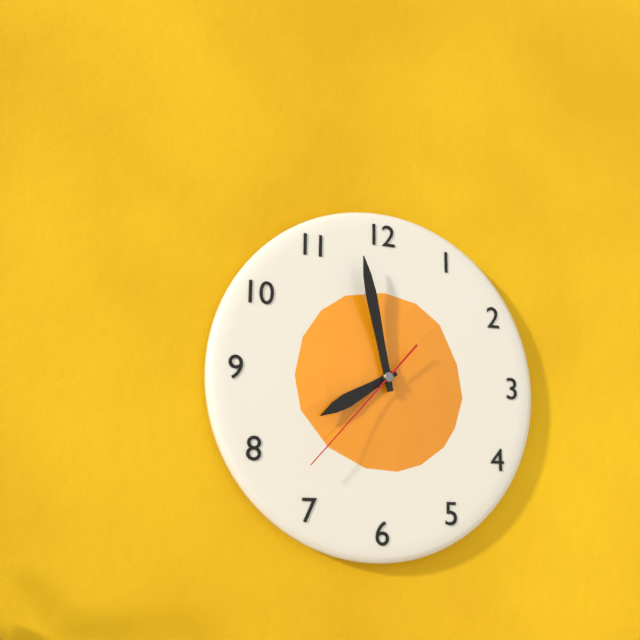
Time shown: 7:58:37
